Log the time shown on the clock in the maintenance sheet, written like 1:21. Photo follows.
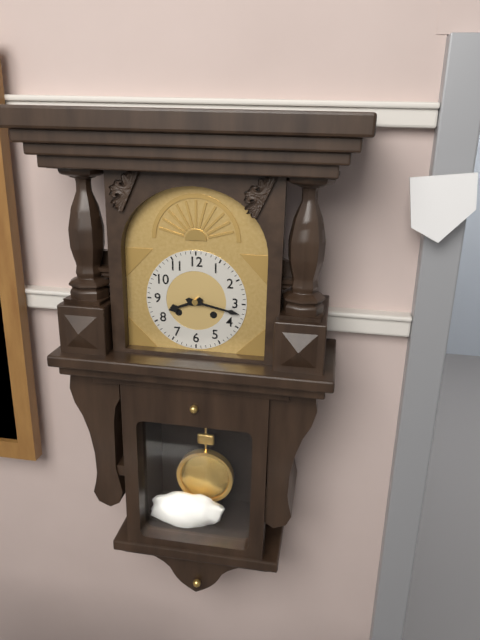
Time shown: 8:17
